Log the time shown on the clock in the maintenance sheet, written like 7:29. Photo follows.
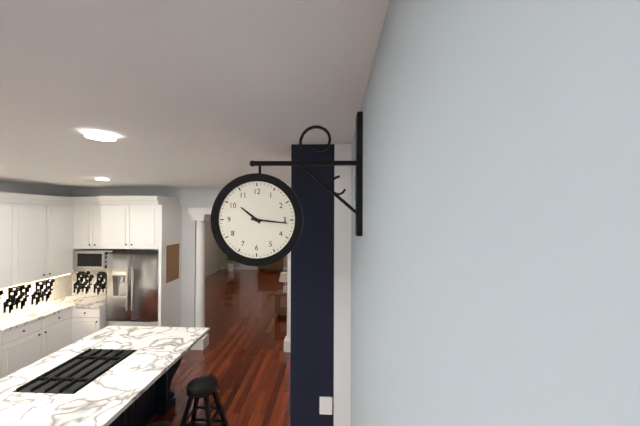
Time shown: 10:16
